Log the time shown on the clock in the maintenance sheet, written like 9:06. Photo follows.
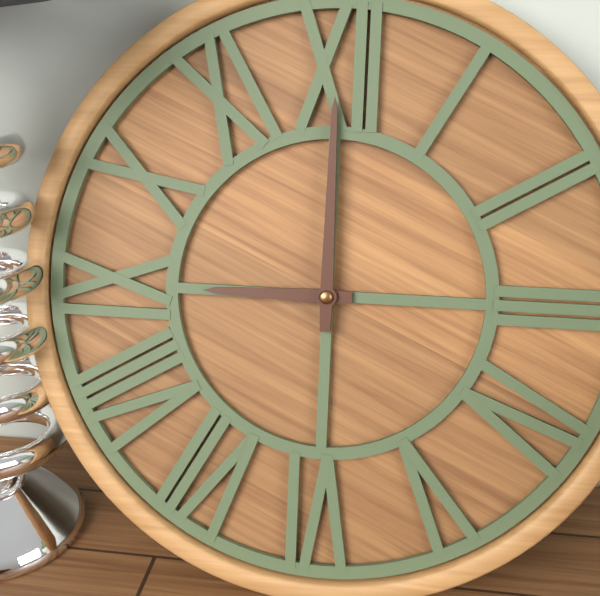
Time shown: 9:00
